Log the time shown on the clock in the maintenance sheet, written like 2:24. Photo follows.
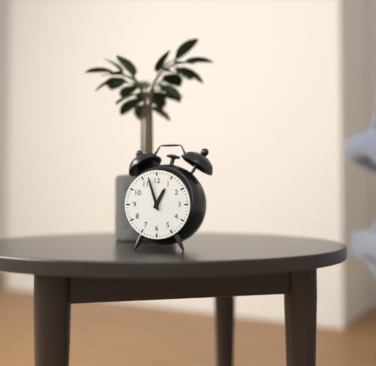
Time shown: 12:57
